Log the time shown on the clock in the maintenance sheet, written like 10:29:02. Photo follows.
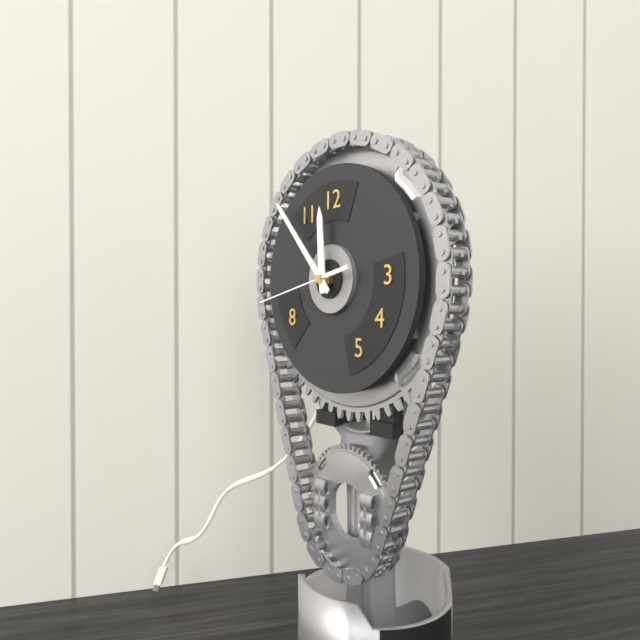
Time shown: 11:53:43
